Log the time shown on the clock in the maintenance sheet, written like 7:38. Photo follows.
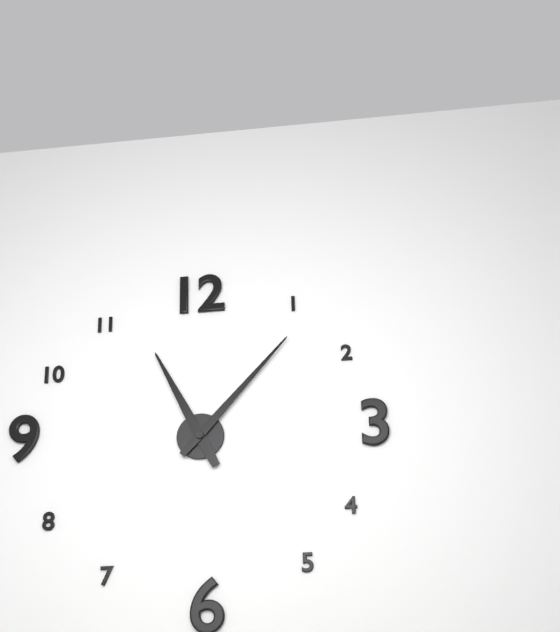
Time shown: 11:07
